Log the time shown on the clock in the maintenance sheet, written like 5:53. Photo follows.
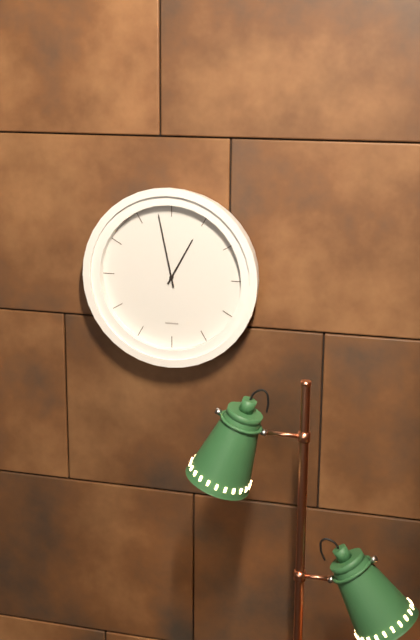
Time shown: 12:58
